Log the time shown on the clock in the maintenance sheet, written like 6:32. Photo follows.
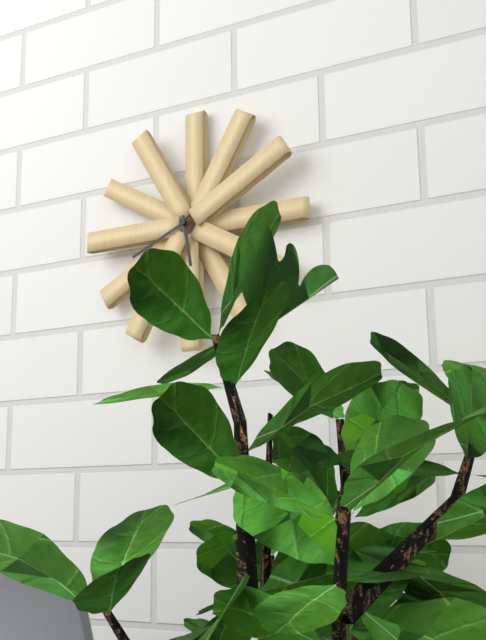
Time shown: 5:41
